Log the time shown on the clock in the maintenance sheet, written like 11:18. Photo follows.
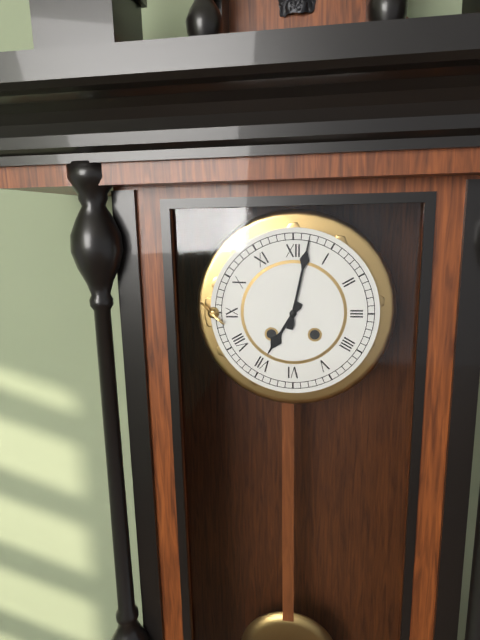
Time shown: 7:02
